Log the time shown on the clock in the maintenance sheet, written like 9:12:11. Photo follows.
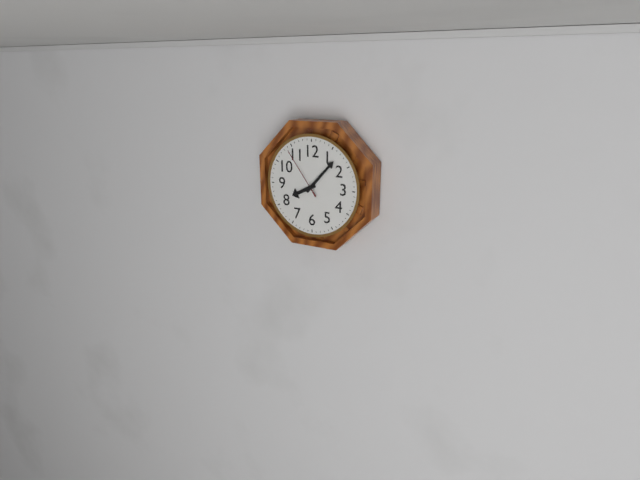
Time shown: 8:07:54
